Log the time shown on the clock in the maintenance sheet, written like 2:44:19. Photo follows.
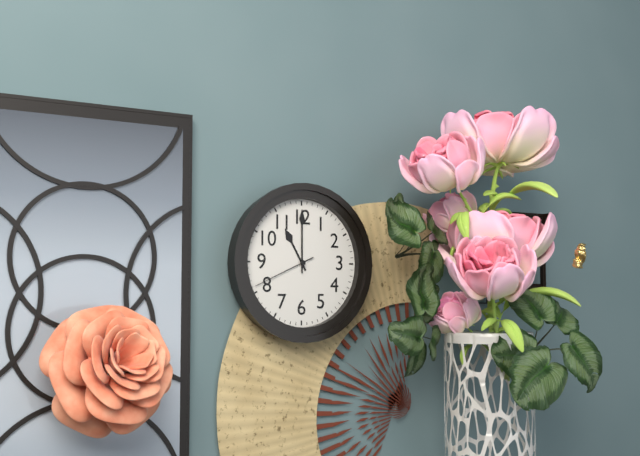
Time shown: 11:00:41
